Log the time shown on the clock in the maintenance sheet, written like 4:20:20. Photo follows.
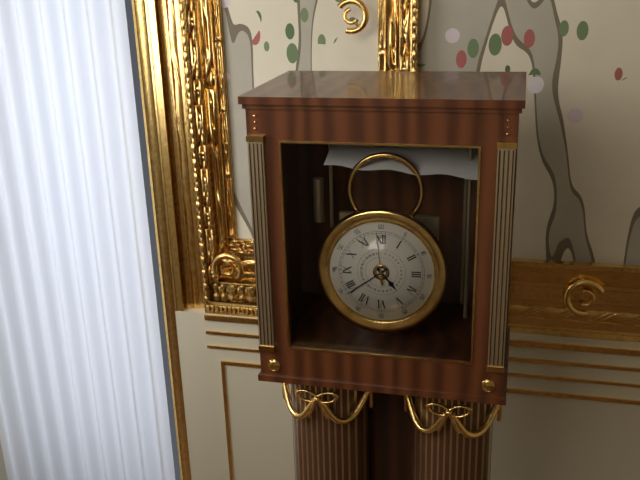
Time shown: 4:39:59
